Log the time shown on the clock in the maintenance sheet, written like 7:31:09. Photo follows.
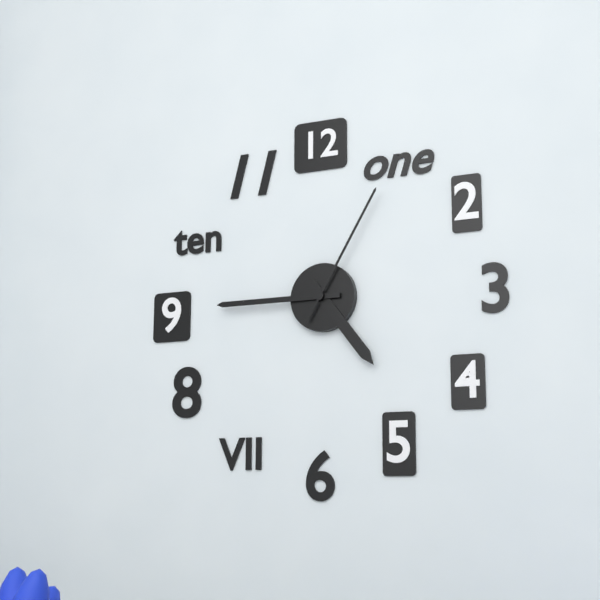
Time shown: 4:45:05
